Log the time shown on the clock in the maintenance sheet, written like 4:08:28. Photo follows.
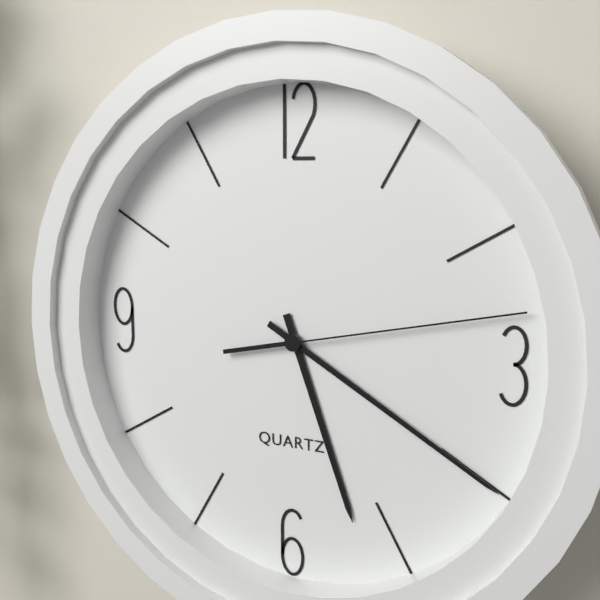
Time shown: 5:20:13
